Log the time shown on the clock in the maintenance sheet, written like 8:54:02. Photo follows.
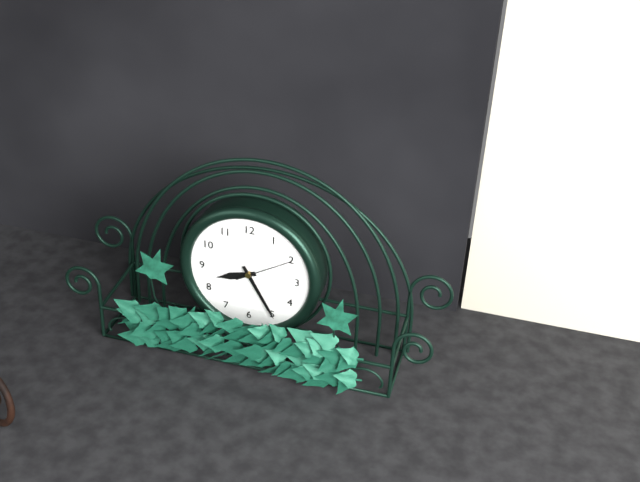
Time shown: 8:25:10
